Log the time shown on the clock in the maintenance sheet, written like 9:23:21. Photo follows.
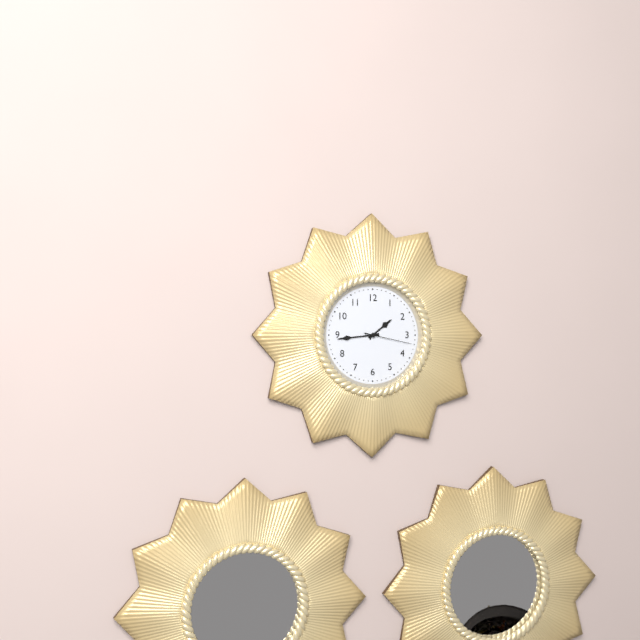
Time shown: 1:44:17
